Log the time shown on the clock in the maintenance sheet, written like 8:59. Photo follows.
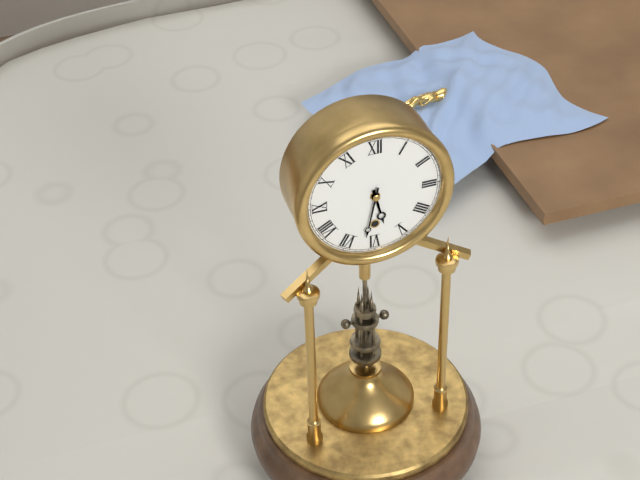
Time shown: 5:32
